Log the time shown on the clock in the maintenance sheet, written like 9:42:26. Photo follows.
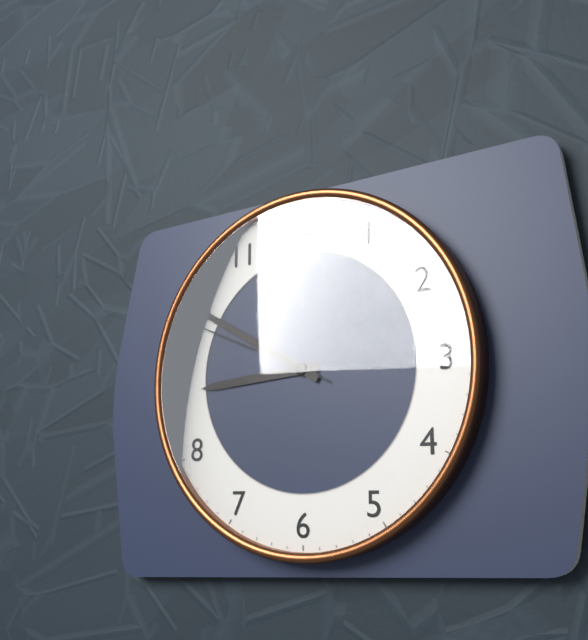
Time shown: 8:50:49
